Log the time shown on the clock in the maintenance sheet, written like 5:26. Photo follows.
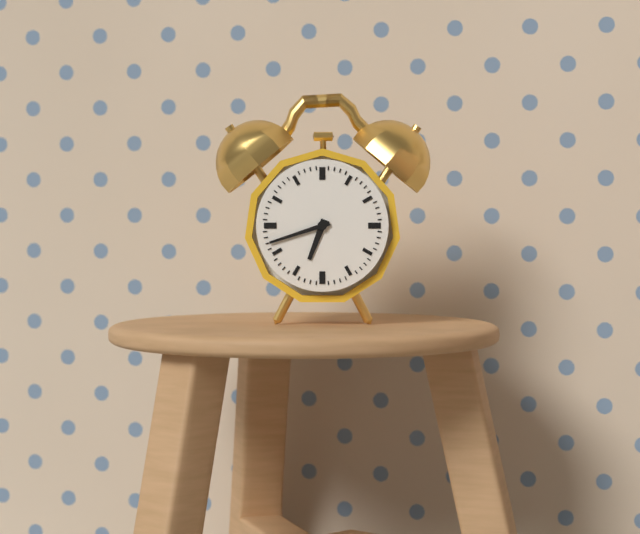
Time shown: 6:42
